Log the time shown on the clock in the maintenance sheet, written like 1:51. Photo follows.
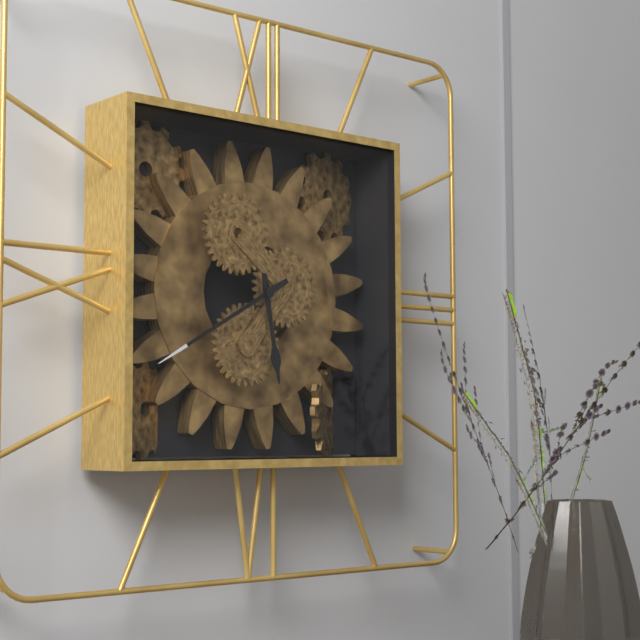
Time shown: 5:40
